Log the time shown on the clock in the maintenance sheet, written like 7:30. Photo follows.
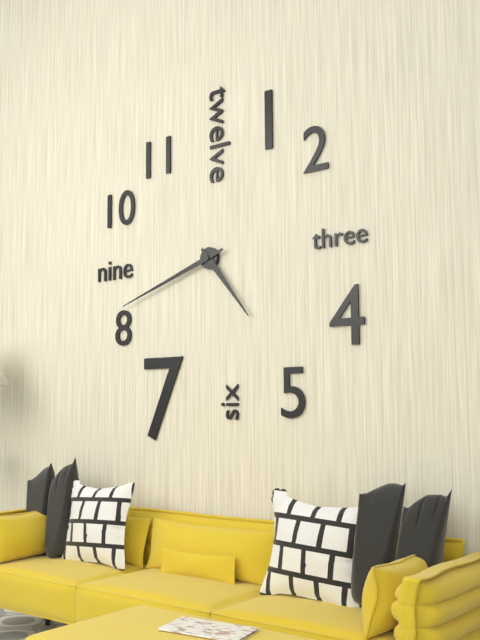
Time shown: 4:42
